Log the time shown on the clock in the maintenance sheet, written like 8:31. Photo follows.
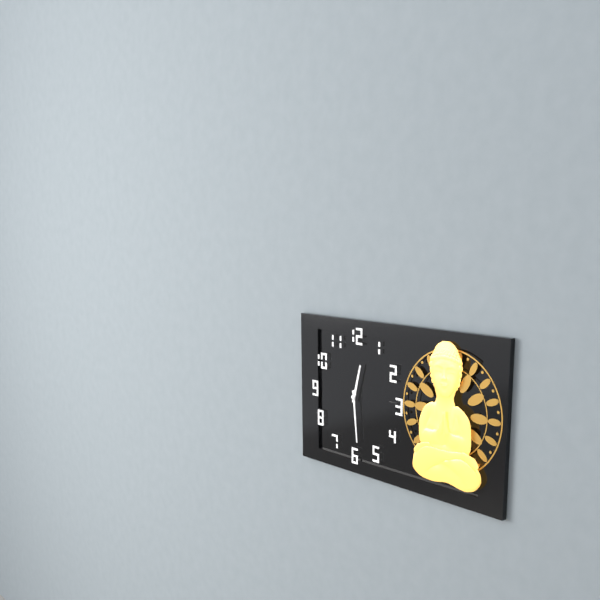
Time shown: 12:29
